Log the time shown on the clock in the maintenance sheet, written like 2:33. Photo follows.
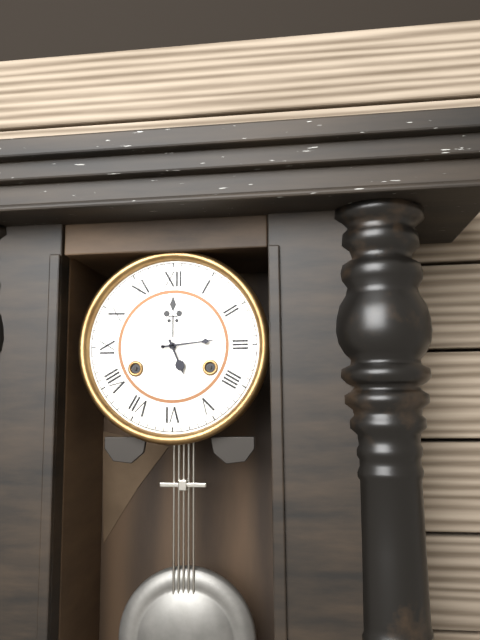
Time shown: 5:14
